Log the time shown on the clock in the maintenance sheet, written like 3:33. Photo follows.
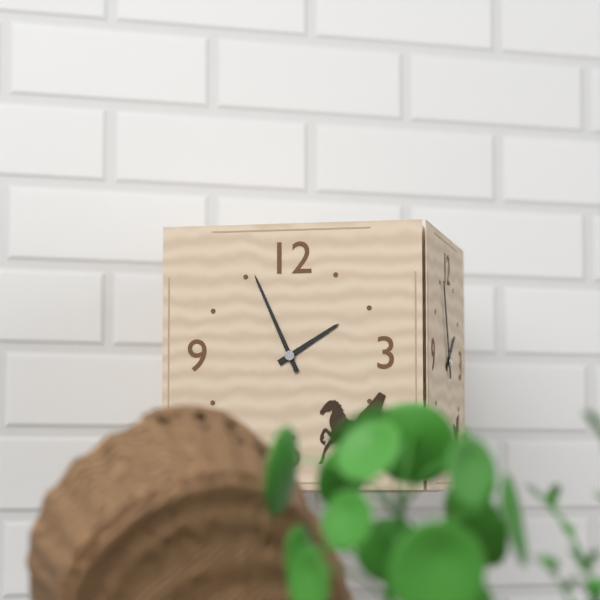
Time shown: 1:56
